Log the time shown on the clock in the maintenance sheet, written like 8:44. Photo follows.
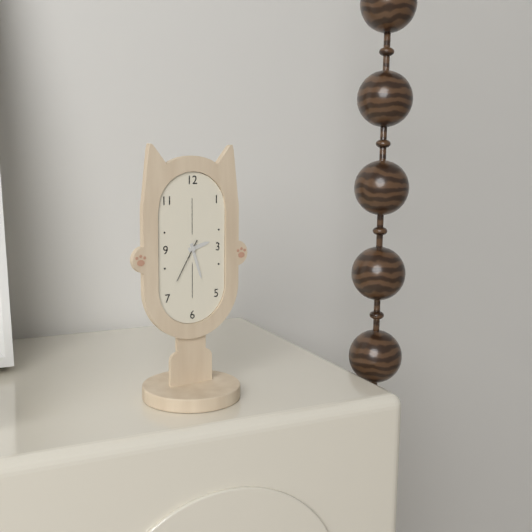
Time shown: 2:27
